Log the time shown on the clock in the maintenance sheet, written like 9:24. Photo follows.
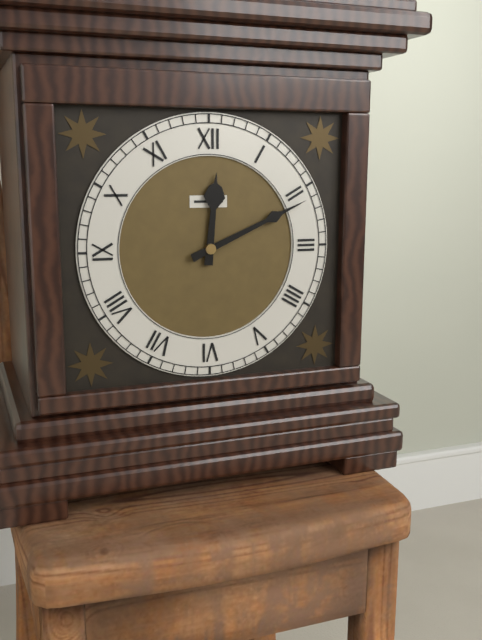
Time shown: 12:11
